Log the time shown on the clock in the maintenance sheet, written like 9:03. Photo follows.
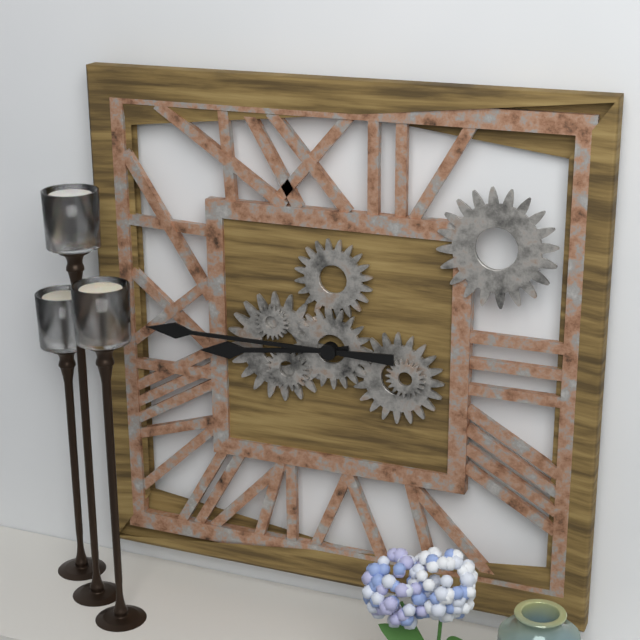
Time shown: 8:45
